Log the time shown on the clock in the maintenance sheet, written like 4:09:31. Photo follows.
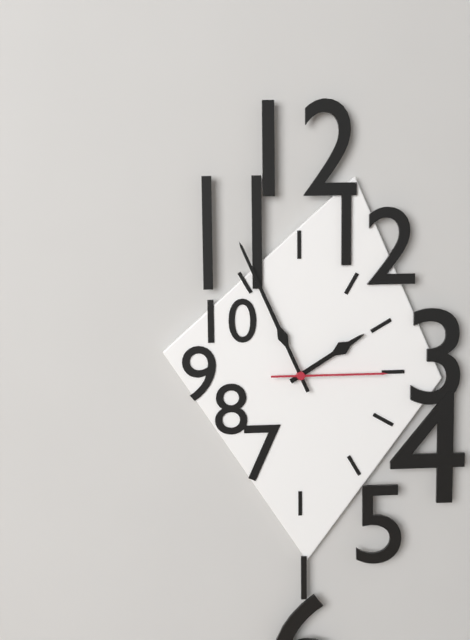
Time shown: 1:56:15
